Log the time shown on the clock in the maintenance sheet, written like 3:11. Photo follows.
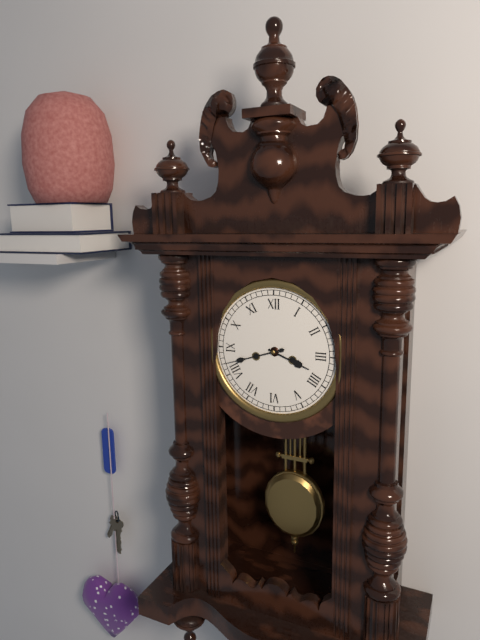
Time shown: 3:42
